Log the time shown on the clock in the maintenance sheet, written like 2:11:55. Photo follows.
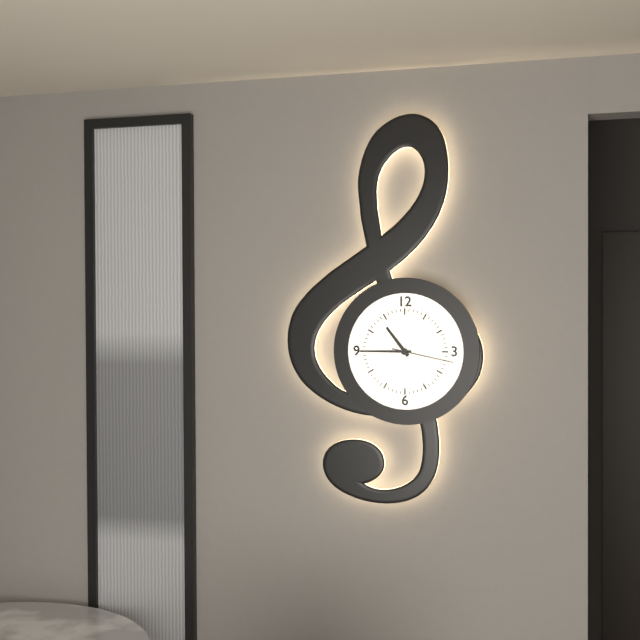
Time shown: 10:45:17
